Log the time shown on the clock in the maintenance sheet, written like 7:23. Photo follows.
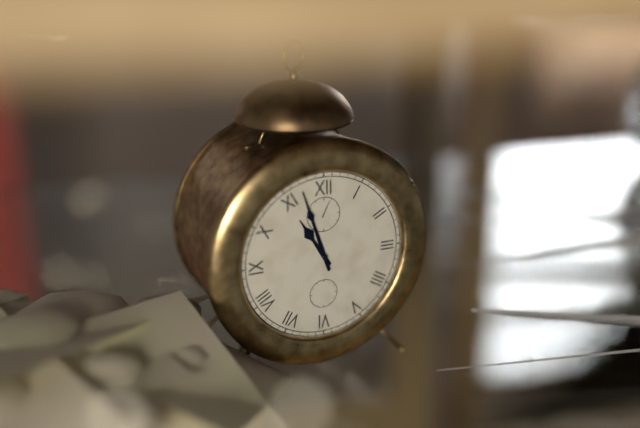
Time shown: 10:57
